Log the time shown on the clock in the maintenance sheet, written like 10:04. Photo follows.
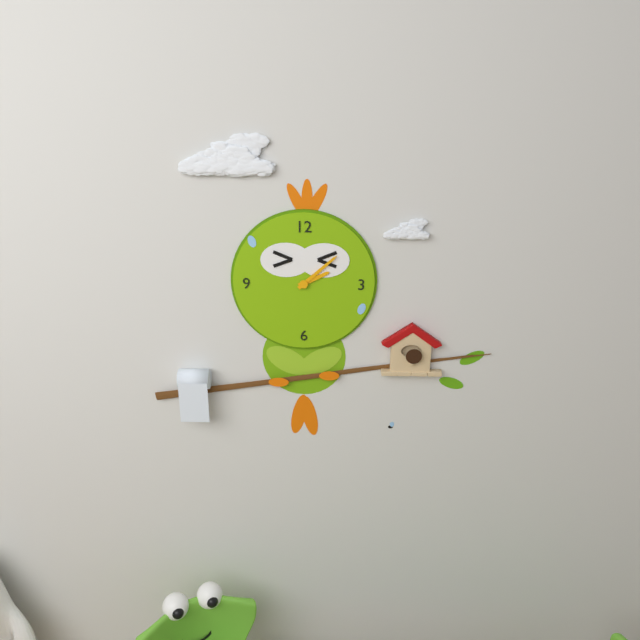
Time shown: 2:08
